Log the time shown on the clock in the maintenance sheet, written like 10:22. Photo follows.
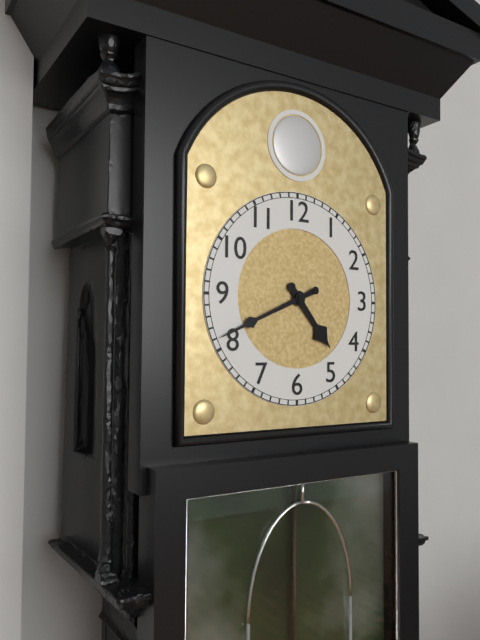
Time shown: 4:41
